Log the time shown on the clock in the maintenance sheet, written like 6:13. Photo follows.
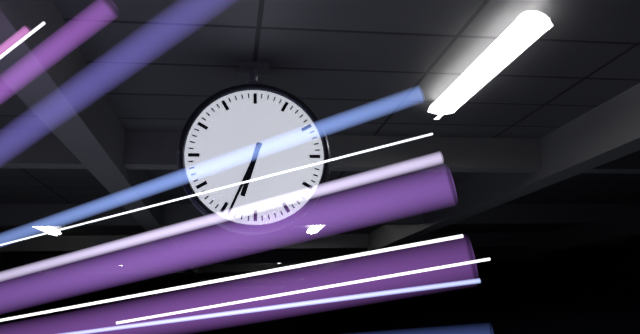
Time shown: 6:34
